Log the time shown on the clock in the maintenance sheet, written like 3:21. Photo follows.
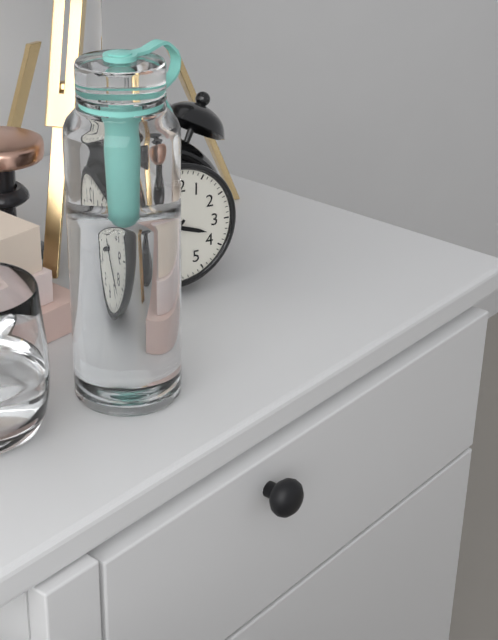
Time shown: 3:37
